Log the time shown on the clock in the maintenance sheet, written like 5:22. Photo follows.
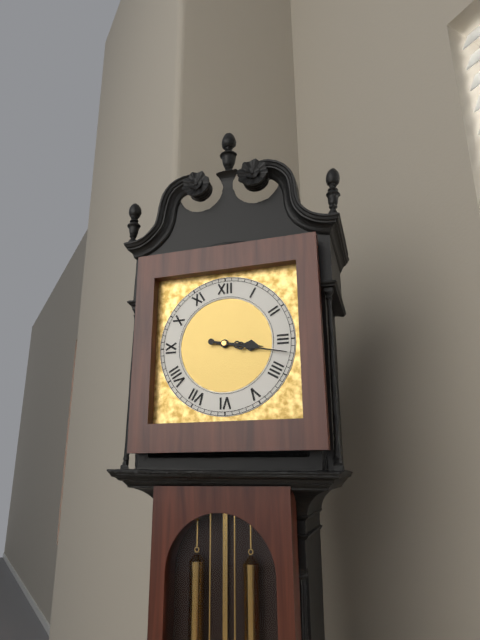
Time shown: 3:17
